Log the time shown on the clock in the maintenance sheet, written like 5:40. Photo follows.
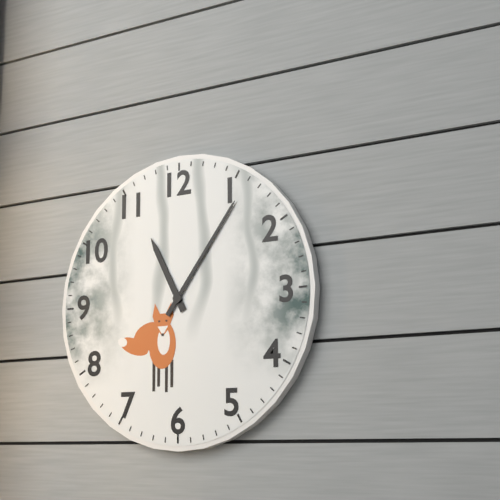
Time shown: 11:06
